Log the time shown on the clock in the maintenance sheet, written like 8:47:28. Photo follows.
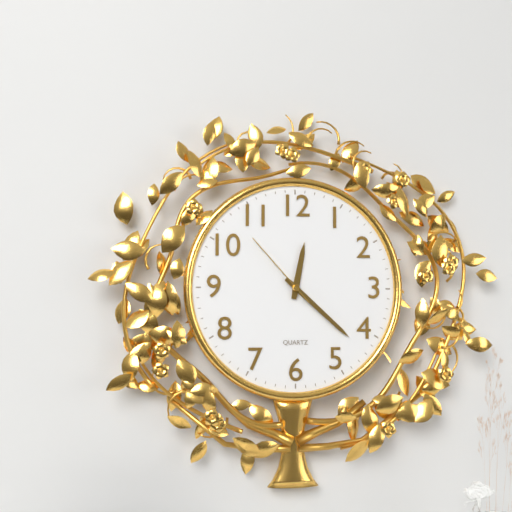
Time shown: 12:22:53
